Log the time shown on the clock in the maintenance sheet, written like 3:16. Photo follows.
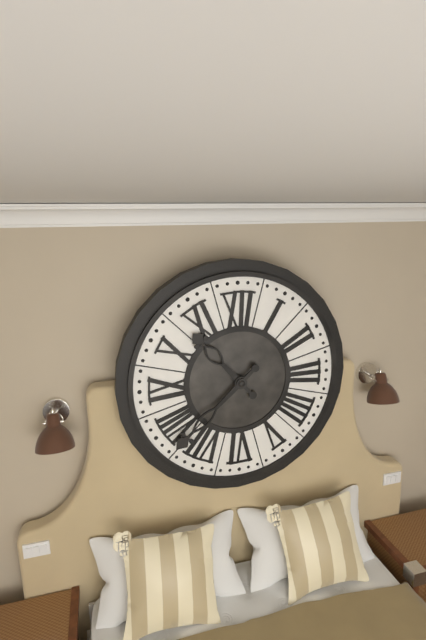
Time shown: 10:38
